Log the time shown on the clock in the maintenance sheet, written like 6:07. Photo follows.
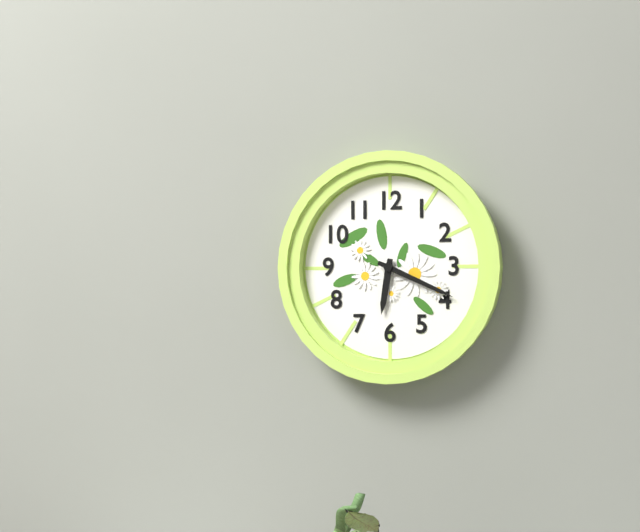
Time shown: 6:19
